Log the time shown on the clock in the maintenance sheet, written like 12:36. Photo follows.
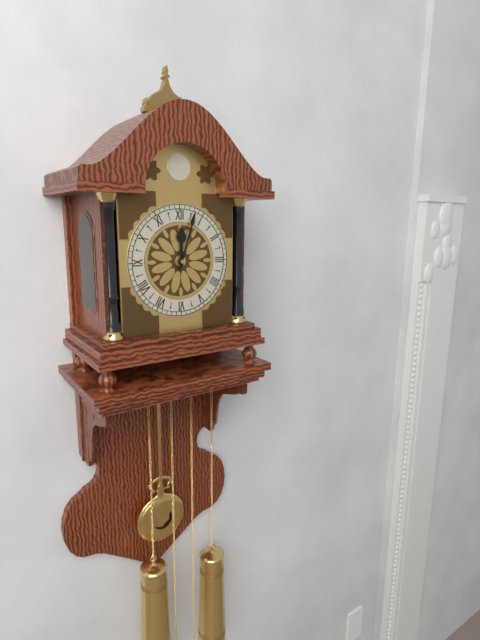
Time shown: 12:03
